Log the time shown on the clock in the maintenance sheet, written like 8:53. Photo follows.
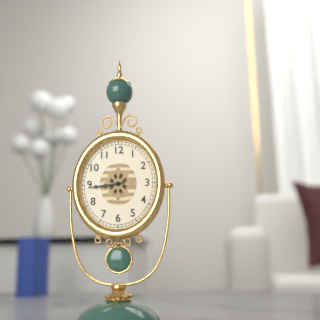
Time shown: 8:44
